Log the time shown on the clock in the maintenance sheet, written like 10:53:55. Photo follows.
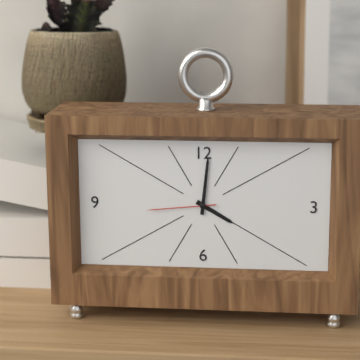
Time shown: 4:01:44
